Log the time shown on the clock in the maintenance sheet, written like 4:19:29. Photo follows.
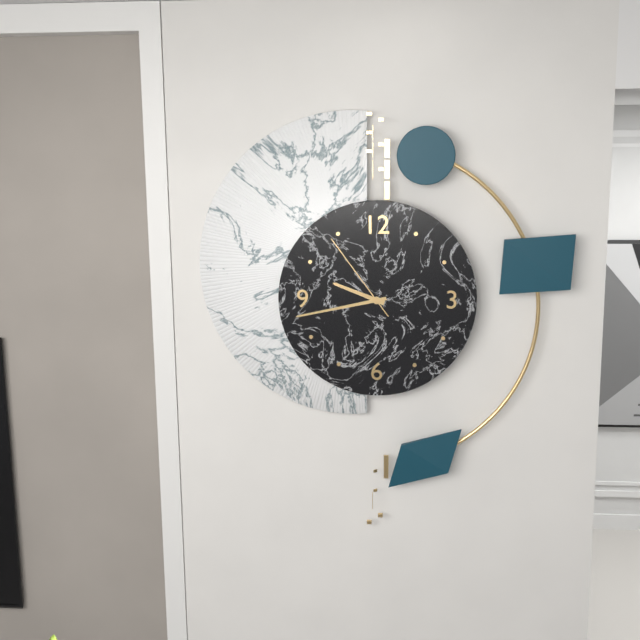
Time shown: 9:43:54
